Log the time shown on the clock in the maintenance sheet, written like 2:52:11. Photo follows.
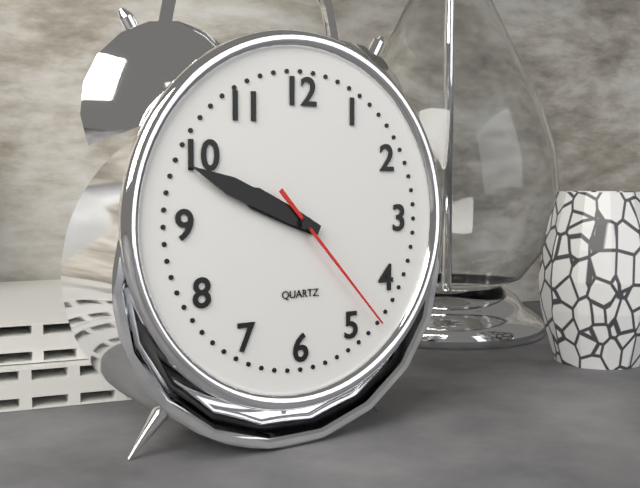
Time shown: 9:49:23
